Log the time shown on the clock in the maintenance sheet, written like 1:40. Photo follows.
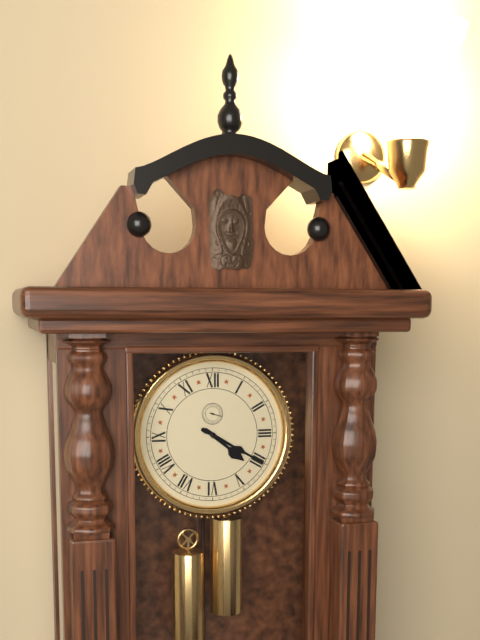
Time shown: 4:20
